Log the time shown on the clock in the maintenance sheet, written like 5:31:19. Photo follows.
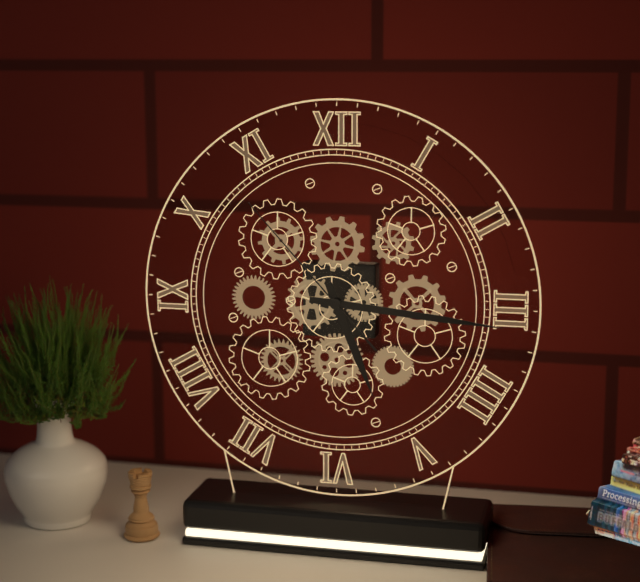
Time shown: 5:16:53
